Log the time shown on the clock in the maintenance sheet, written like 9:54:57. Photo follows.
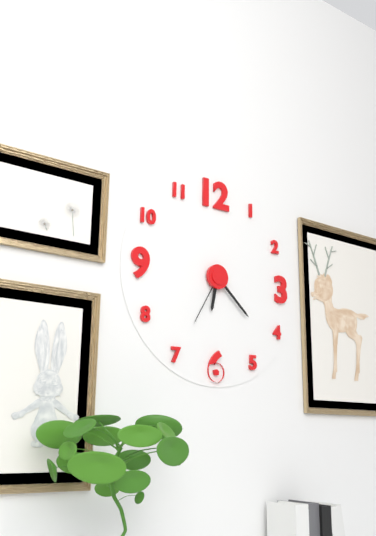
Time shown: 6:22:35
